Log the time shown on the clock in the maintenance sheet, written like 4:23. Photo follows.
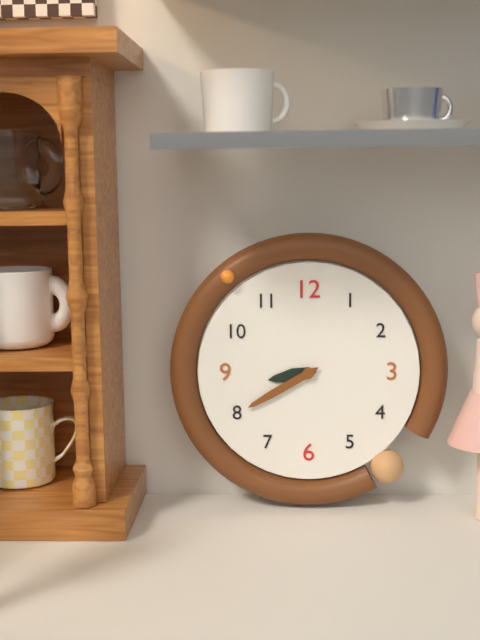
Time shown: 8:40
